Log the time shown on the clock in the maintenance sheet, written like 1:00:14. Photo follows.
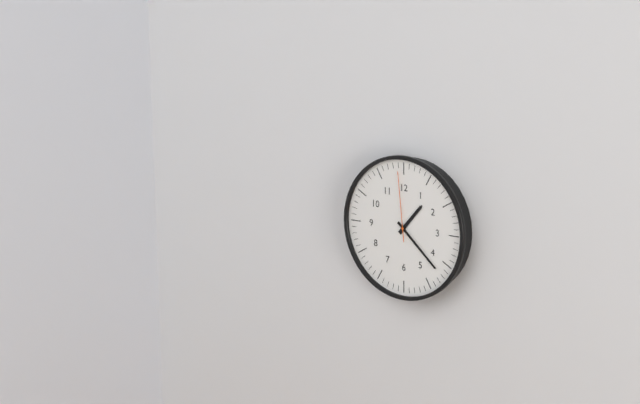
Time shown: 1:22:59
